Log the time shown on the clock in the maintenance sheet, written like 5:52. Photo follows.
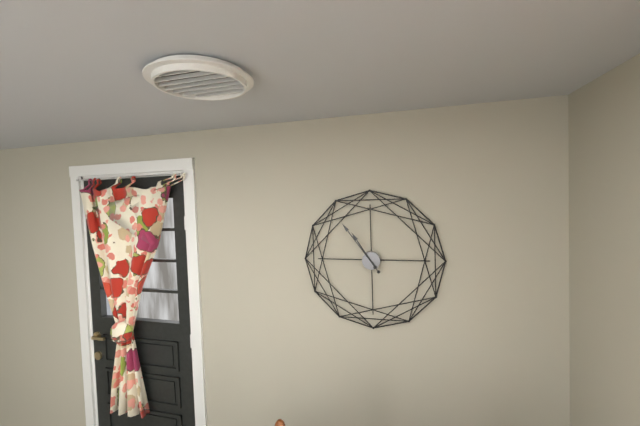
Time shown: 10:54
